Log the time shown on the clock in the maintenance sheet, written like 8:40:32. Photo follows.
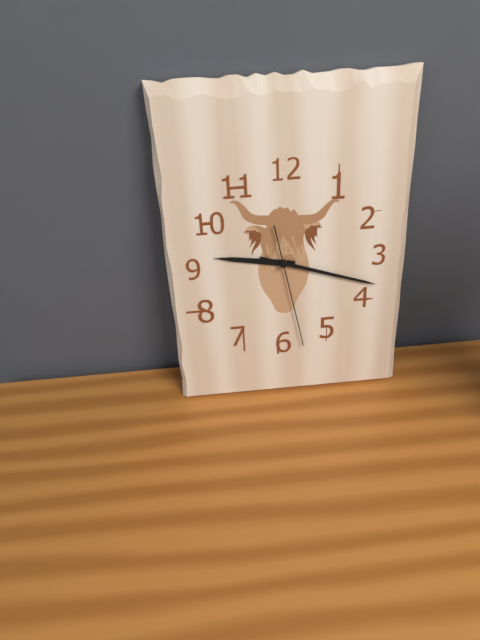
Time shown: 9:18:28
